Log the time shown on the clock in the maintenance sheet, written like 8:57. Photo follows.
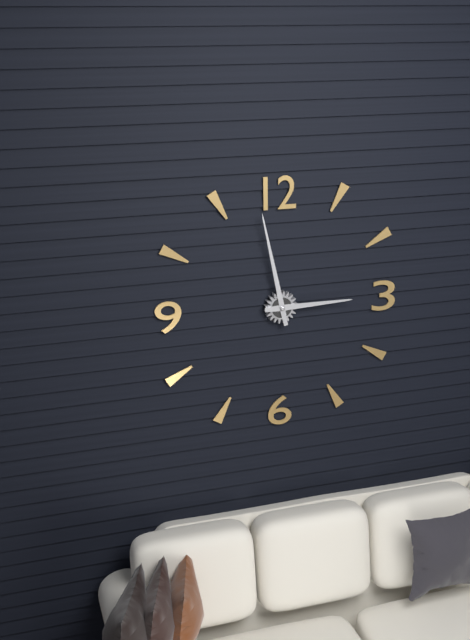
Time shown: 2:58
